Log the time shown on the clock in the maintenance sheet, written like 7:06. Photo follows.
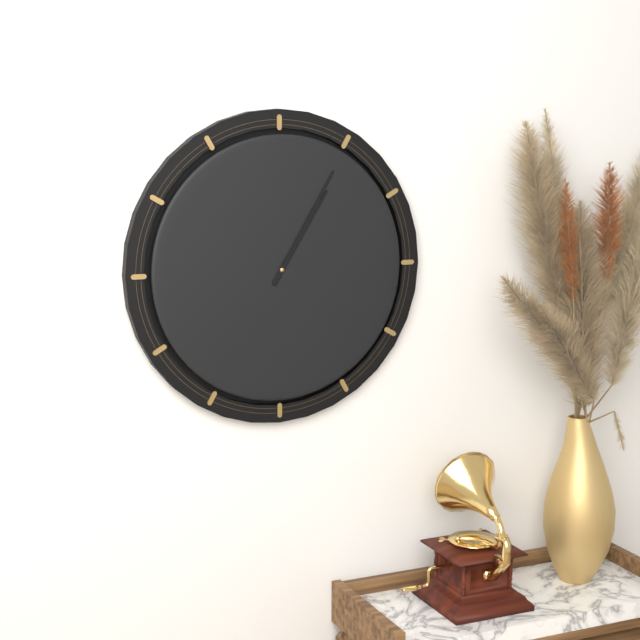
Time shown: 1:05
